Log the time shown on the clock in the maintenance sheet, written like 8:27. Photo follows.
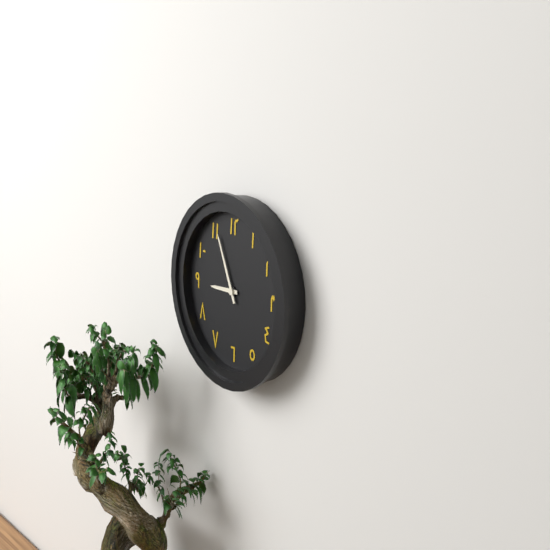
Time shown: 8:56
